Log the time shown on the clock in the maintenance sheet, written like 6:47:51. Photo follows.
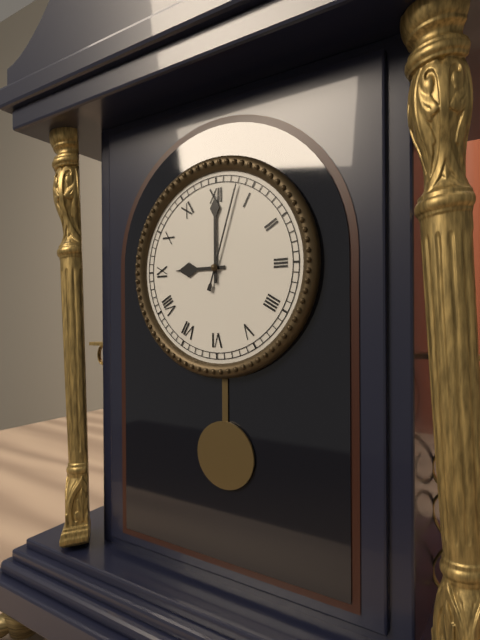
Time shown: 9:00:03
